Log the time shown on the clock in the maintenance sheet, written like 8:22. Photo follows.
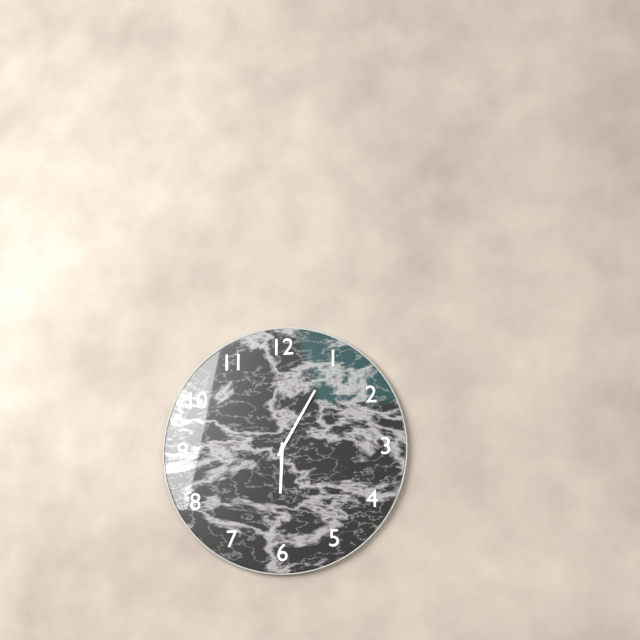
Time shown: 6:05
